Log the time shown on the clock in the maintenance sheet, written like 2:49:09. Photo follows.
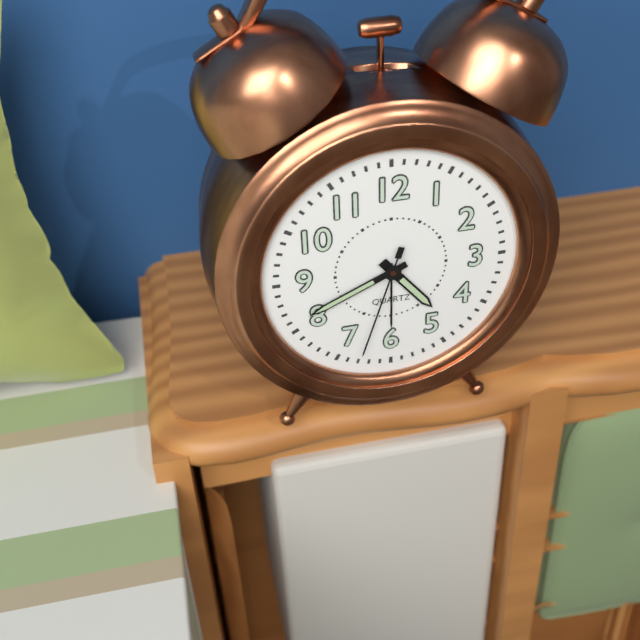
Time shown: 4:41:33
